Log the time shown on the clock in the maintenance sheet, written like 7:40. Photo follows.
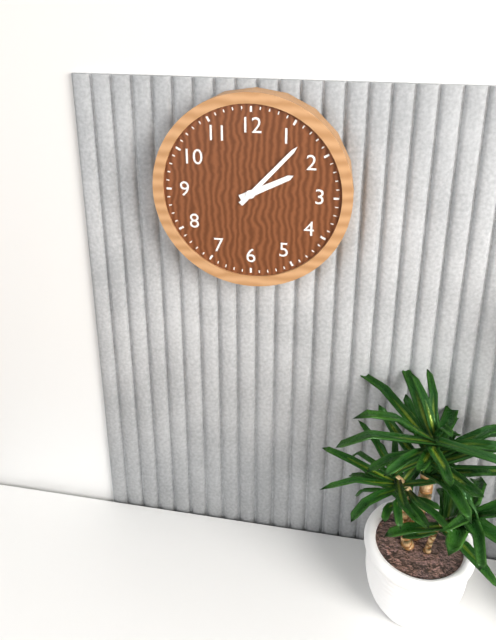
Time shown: 2:07
